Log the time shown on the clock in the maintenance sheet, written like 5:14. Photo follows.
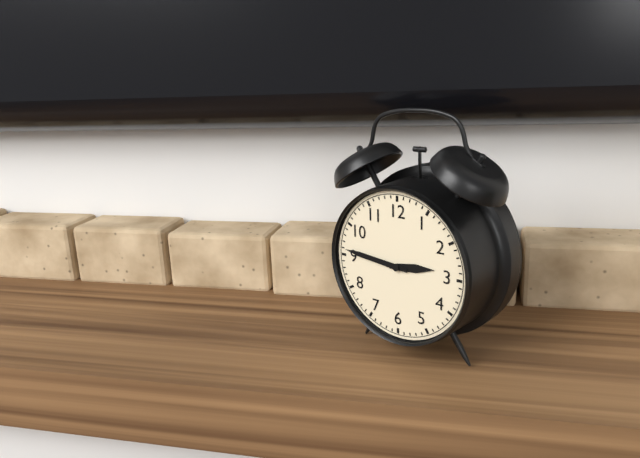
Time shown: 2:46
